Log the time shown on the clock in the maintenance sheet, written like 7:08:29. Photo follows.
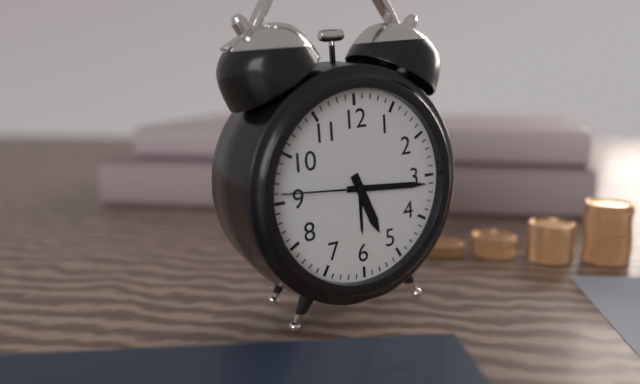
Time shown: 5:16:46
